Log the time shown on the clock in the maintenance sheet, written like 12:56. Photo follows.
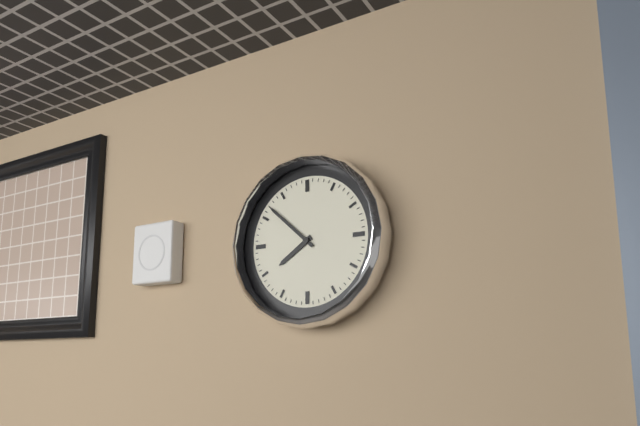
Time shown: 7:52
